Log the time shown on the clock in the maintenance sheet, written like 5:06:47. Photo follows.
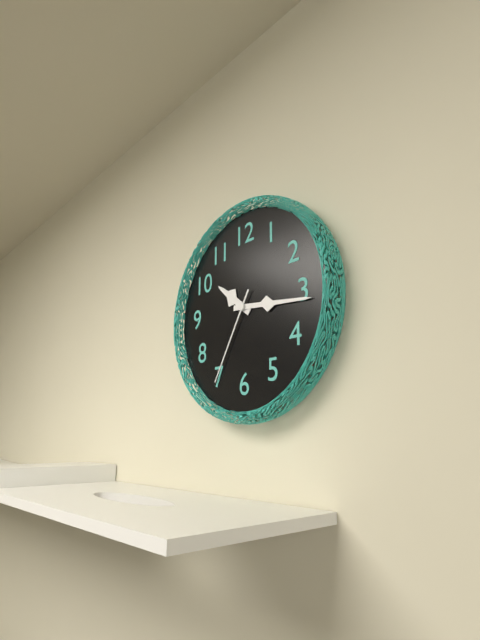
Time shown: 10:16:35
